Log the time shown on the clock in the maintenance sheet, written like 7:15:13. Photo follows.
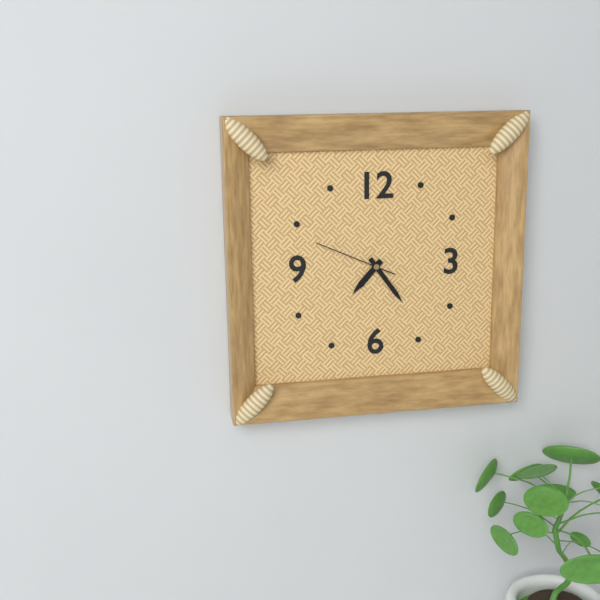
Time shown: 7:24:49
